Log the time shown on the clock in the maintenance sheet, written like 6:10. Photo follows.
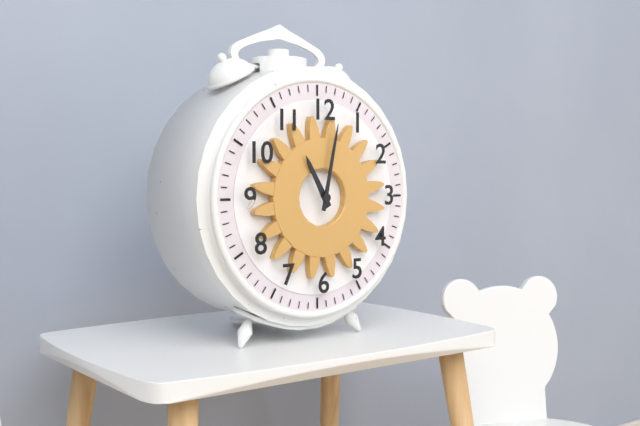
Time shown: 11:02
